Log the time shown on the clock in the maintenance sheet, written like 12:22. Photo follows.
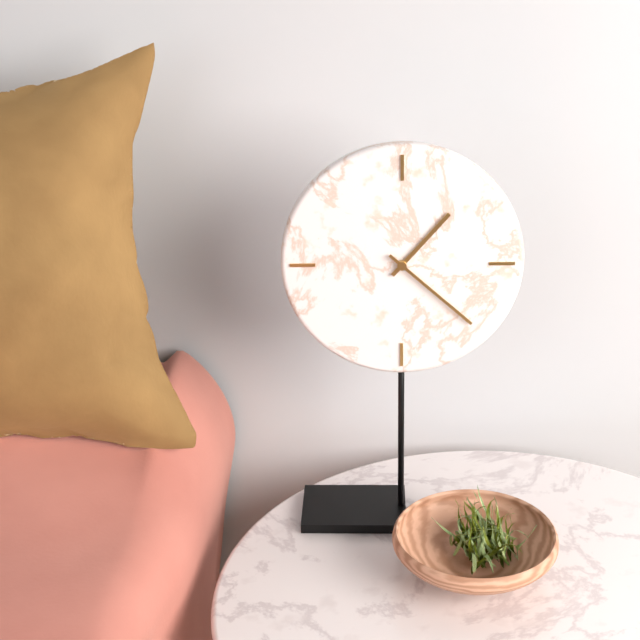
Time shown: 1:22
